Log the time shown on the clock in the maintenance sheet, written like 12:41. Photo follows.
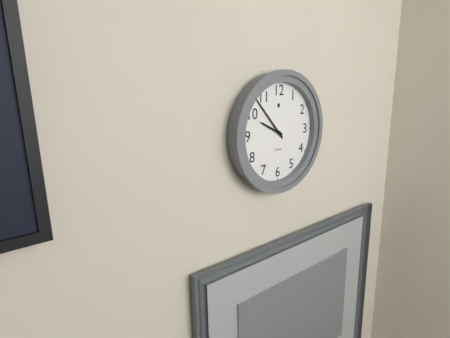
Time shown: 9:53
